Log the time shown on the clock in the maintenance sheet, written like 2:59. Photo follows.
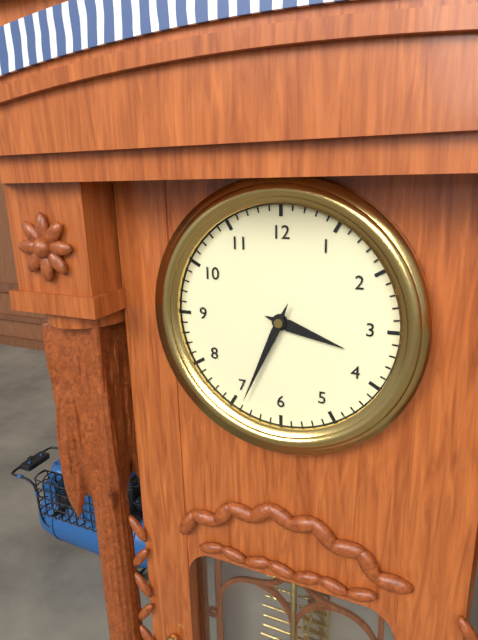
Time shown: 3:34
